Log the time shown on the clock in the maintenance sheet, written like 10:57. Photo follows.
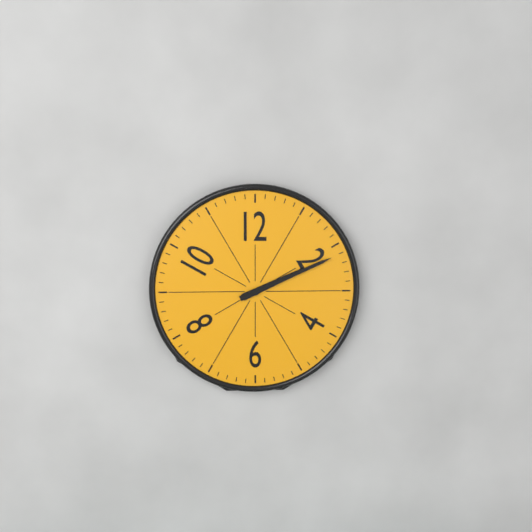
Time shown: 2:11
